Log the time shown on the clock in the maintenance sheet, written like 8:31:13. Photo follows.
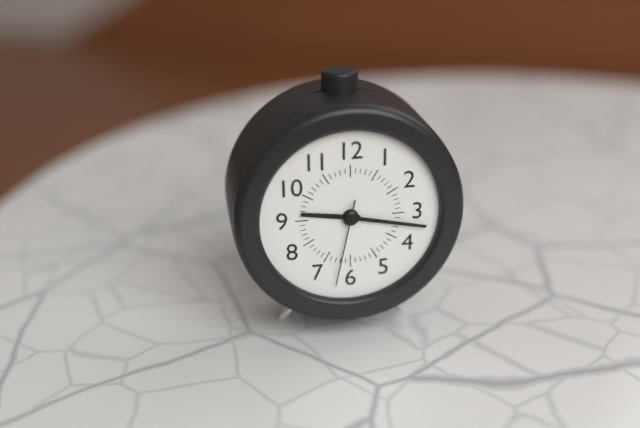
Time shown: 9:17:32
